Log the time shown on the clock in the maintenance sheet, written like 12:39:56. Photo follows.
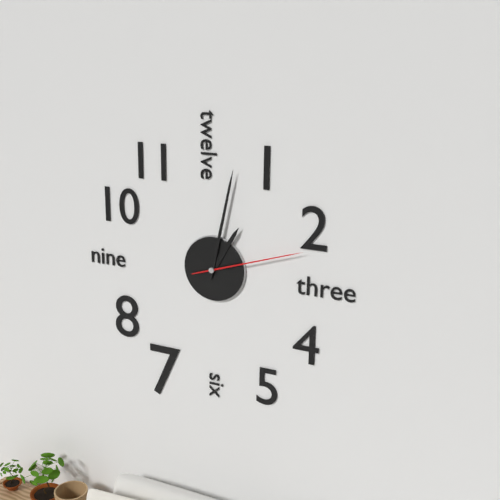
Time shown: 1:02:12
